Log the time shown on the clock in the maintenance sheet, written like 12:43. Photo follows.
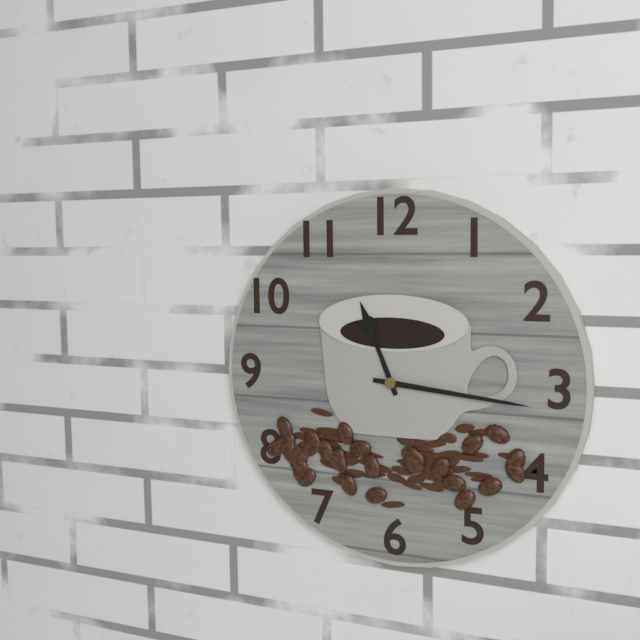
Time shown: 11:16
